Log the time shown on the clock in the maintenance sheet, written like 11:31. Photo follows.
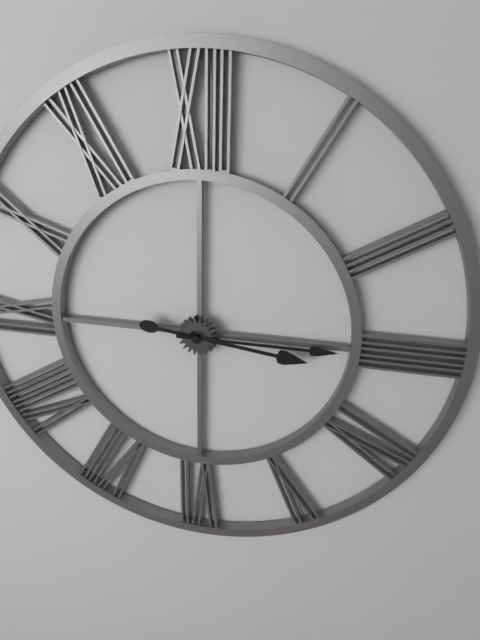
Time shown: 3:15
